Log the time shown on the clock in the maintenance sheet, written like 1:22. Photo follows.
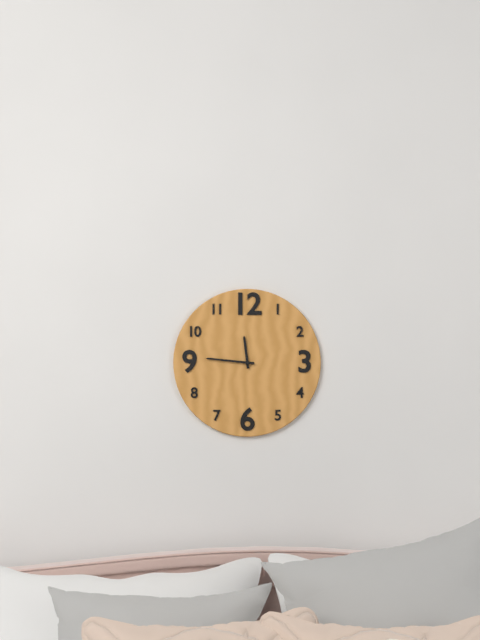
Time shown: 11:46
